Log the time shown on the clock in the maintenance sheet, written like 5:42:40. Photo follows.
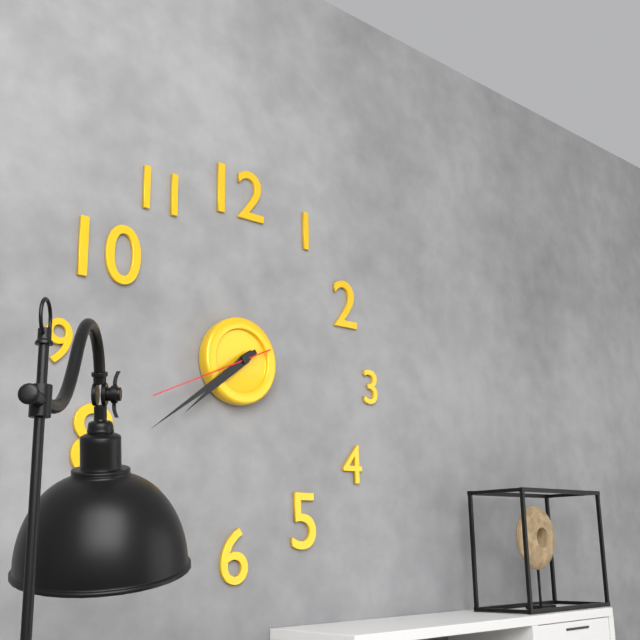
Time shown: 7:39:41
